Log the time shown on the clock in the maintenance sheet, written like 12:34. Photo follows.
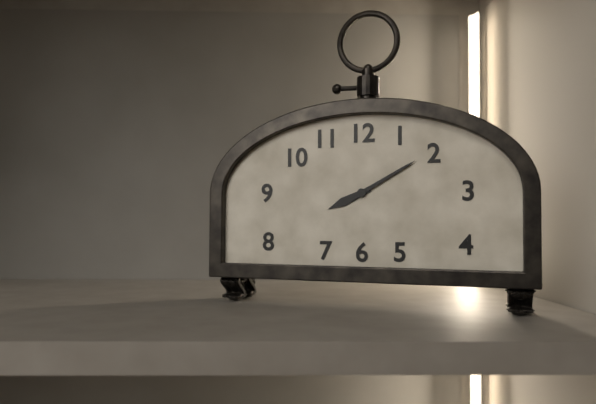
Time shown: 8:10
